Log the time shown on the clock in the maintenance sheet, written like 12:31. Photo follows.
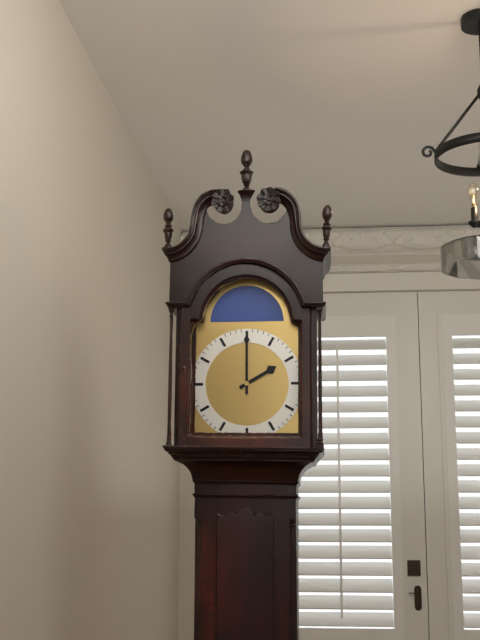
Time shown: 2:00
